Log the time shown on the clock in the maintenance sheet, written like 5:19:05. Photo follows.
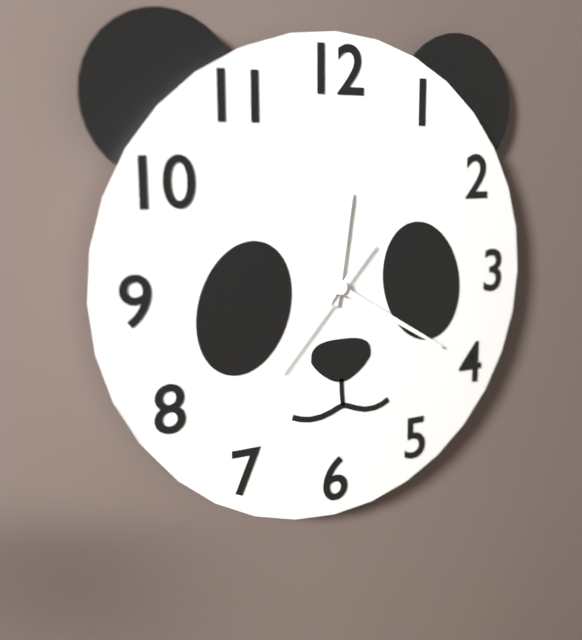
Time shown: 12:20:37
